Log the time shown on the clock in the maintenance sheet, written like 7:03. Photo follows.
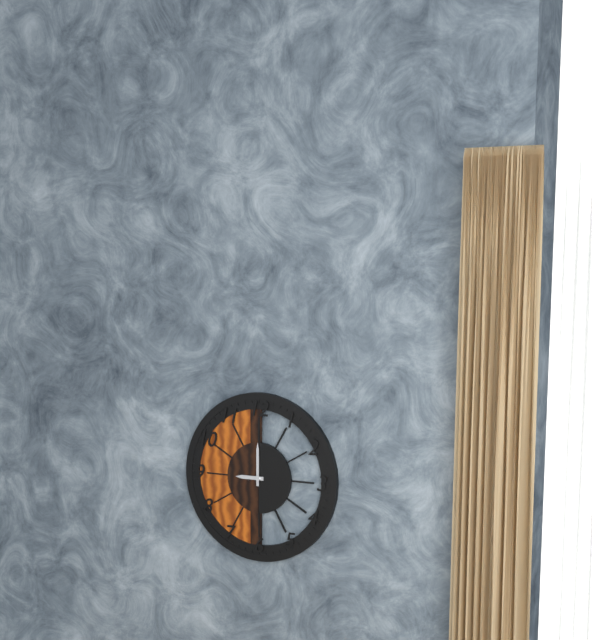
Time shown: 9:00
